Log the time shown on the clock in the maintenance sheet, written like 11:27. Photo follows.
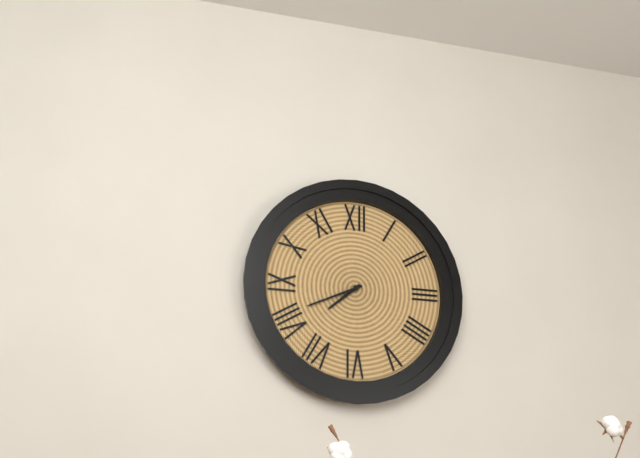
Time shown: 7:41
